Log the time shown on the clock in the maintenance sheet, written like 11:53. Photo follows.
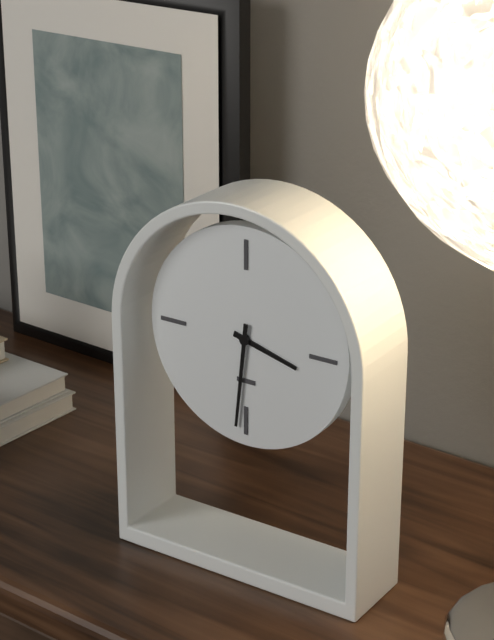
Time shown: 3:31
